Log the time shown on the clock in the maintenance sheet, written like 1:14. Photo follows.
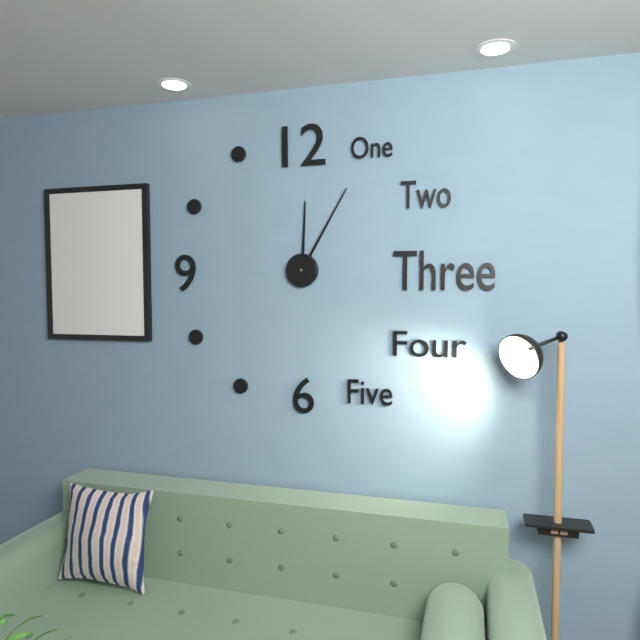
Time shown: 12:05
